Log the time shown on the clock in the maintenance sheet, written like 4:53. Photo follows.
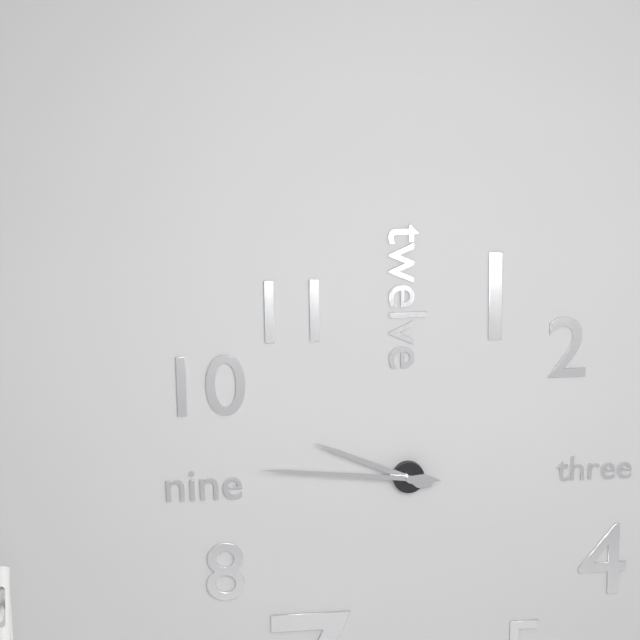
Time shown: 9:46
